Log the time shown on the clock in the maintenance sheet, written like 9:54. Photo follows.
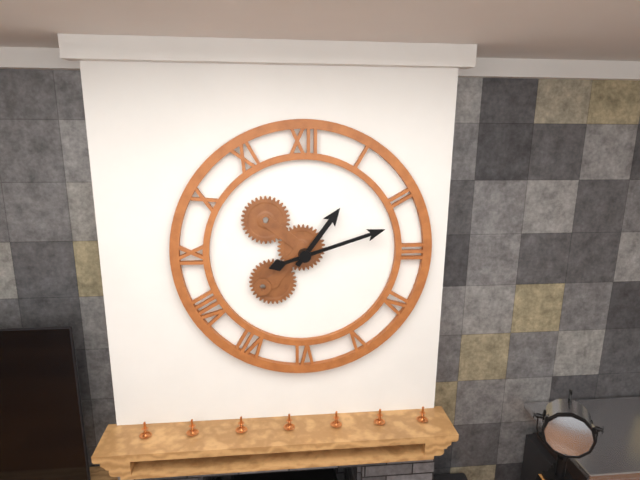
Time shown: 1:12
